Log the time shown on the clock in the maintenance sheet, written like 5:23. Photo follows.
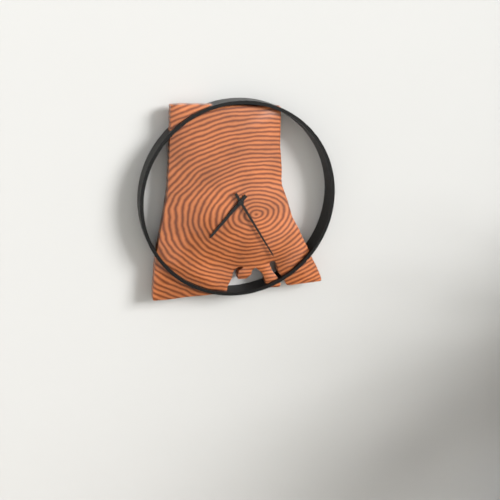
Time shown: 7:25
